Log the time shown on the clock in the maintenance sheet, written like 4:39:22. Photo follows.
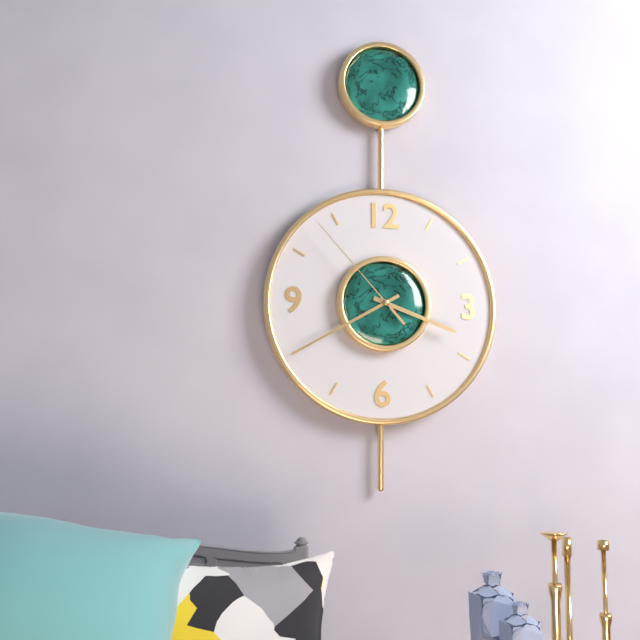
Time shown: 3:40:53
